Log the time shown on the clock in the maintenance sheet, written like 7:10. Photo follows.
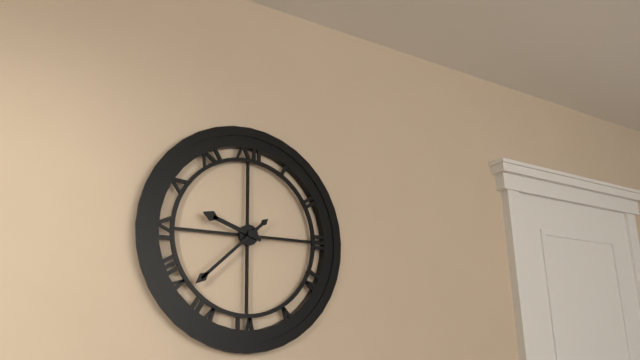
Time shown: 9:38
